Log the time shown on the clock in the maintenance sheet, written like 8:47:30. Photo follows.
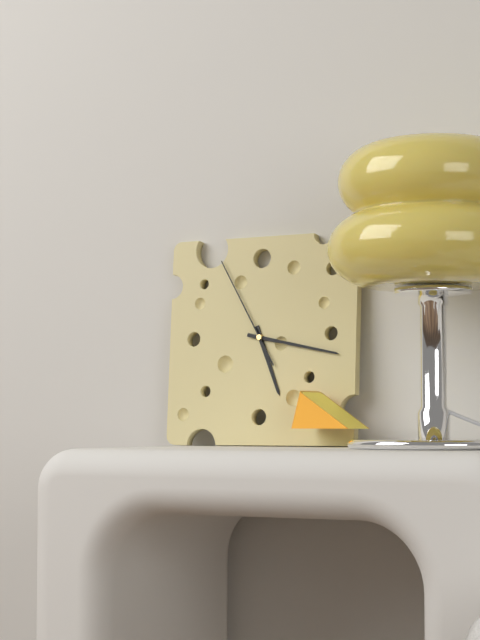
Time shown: 5:17:55
